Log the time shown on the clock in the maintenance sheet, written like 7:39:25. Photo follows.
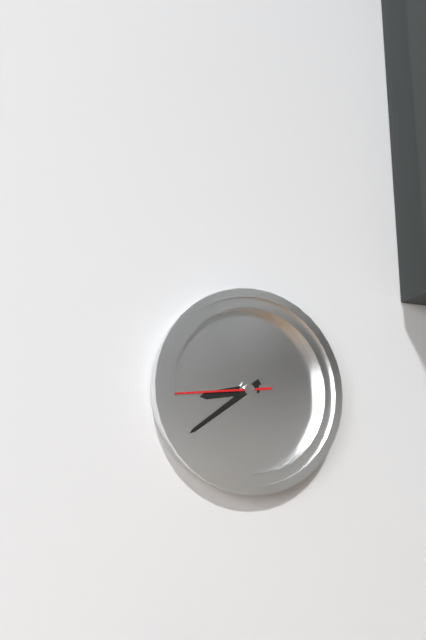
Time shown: 8:39:44
